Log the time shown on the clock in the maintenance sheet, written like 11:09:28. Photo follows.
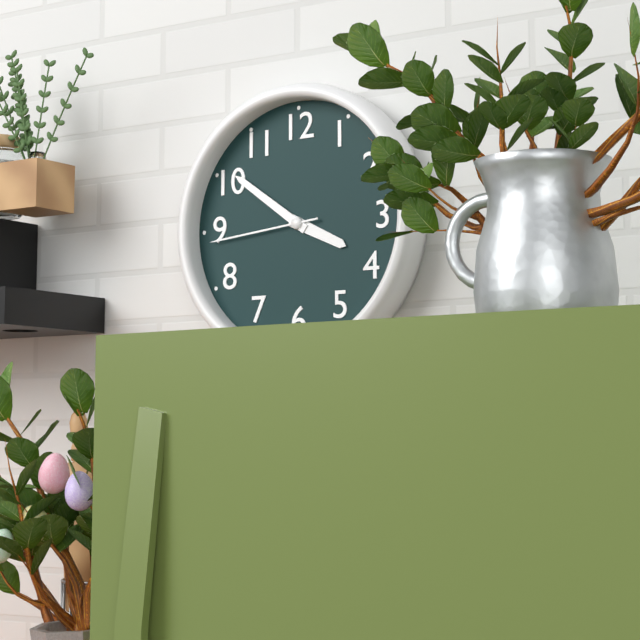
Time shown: 3:51:44
